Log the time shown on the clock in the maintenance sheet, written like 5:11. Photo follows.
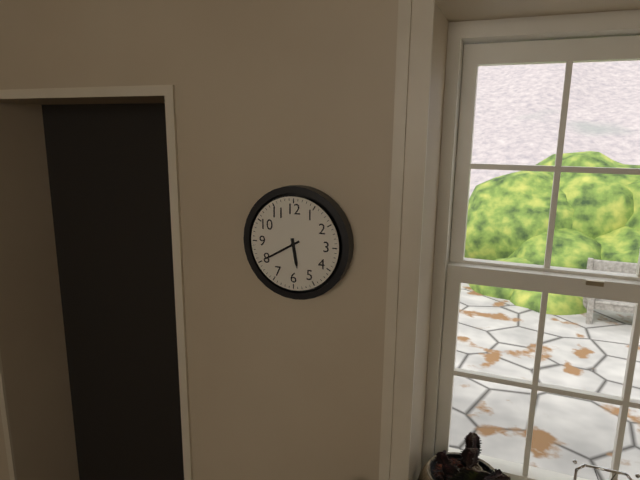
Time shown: 5:40
